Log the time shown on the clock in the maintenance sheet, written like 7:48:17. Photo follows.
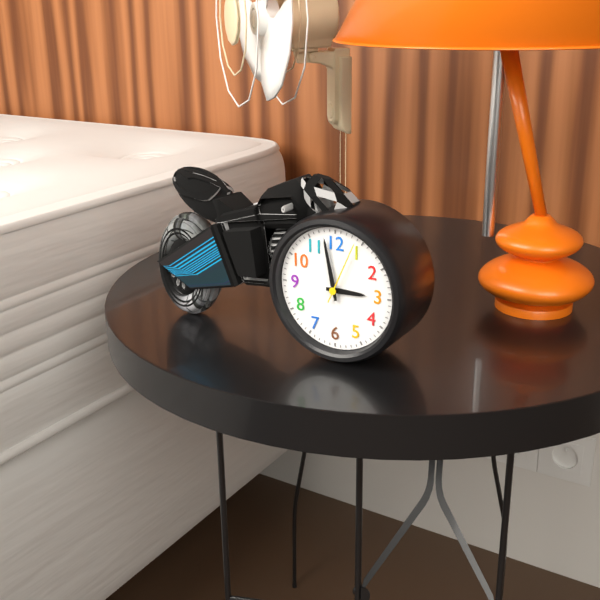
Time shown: 2:58:04
